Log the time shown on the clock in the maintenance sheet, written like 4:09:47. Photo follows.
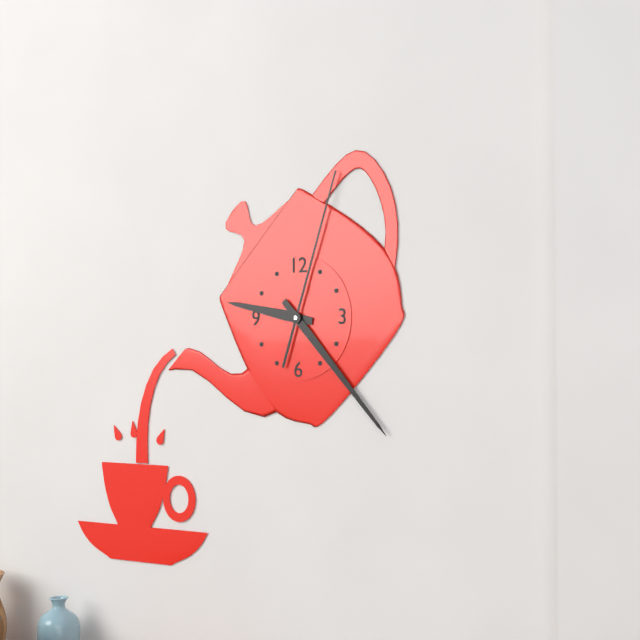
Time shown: 9:23:03
